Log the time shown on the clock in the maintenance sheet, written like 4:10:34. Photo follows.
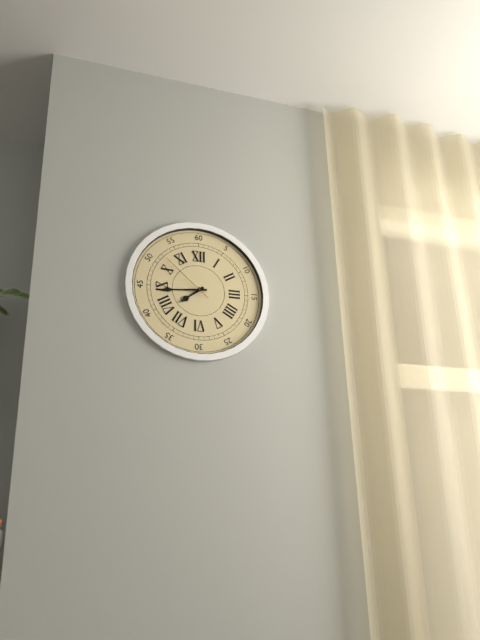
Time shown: 7:44:52
